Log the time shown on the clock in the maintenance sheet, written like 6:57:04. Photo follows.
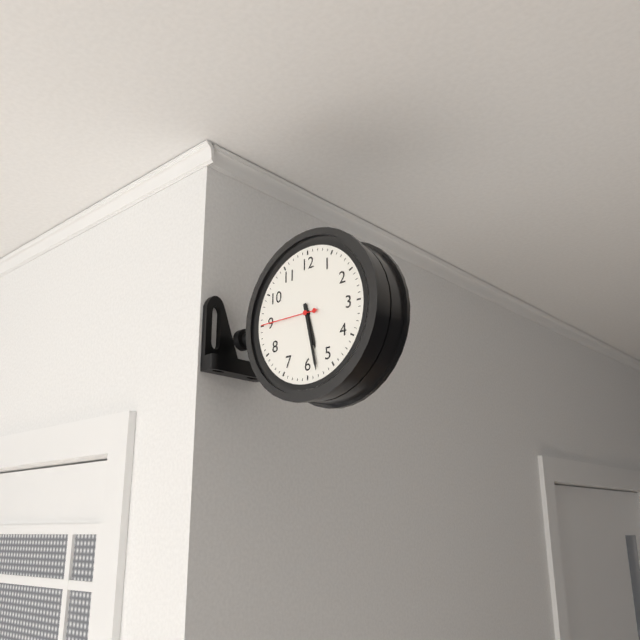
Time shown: 5:28:45
